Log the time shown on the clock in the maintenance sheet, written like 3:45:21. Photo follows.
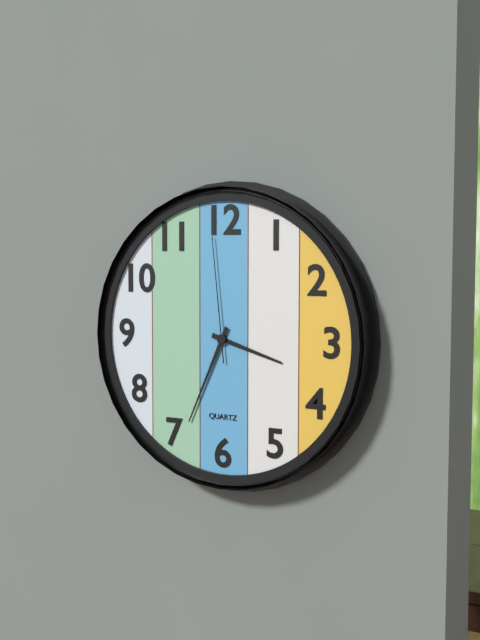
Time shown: 3:34:59
